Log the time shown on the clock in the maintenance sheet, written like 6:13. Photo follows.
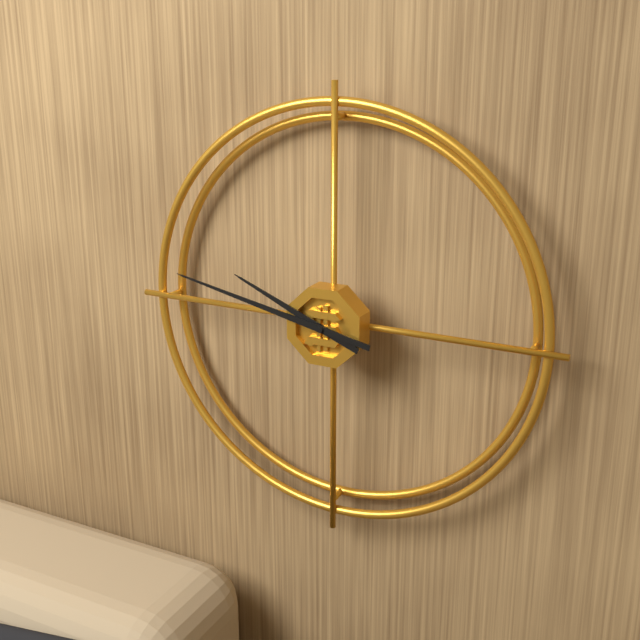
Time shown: 9:47
